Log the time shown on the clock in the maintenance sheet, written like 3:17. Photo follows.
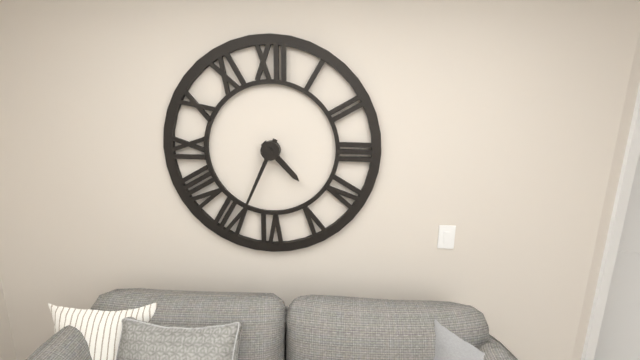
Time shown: 4:34
